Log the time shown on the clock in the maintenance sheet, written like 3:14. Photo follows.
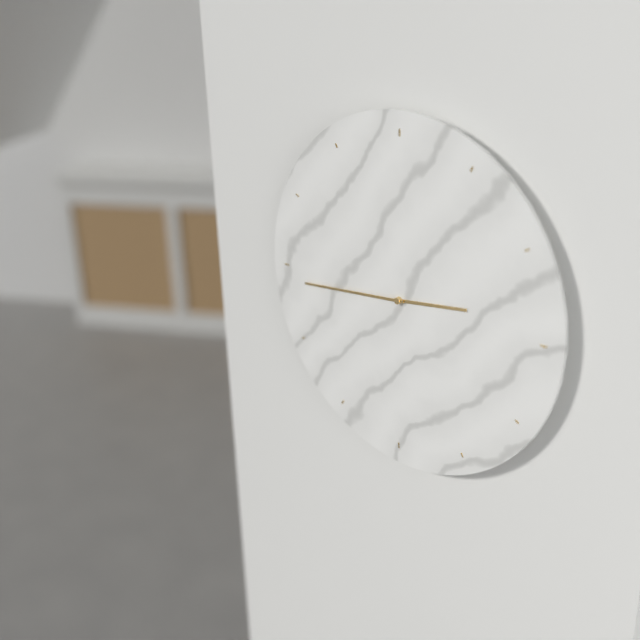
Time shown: 2:44
